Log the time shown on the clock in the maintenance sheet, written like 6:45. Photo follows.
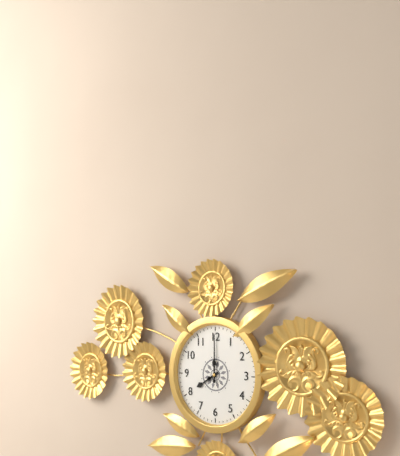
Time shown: 8:00
